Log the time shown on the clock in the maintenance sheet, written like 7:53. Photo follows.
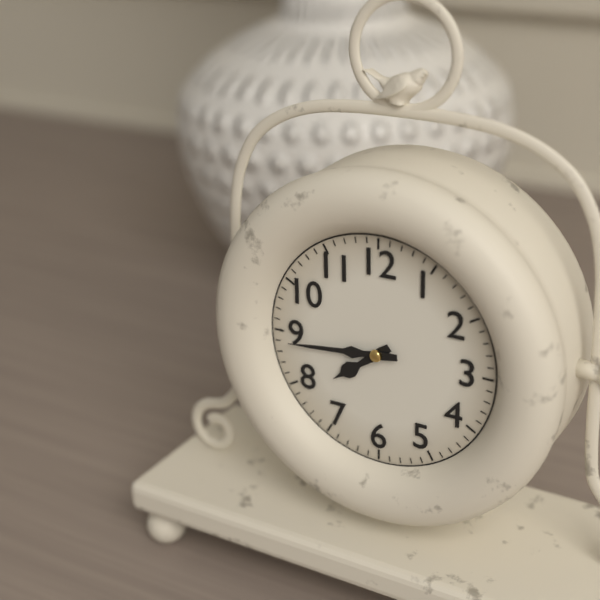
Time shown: 7:44
